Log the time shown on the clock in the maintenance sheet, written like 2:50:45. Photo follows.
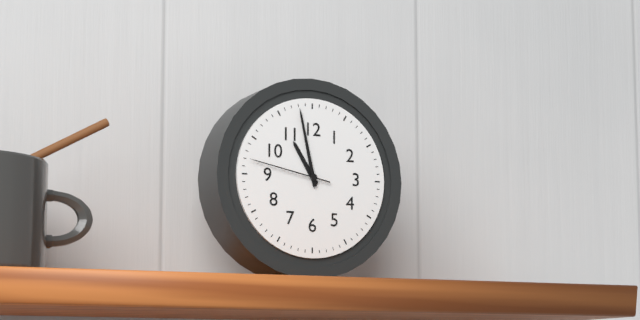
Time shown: 10:58:47
